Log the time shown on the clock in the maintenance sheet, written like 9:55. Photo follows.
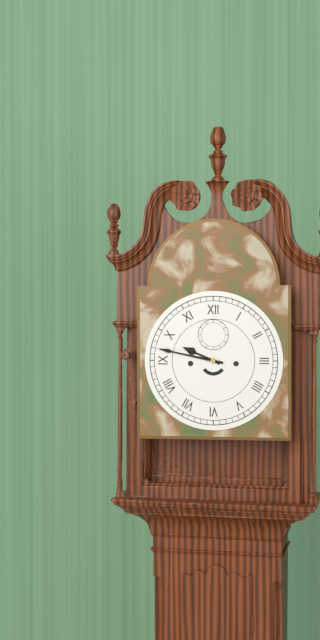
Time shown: 9:47
